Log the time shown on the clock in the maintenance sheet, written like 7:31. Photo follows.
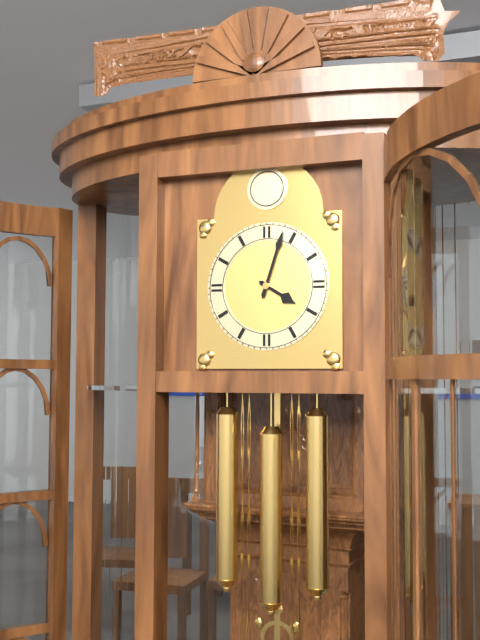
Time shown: 4:03
